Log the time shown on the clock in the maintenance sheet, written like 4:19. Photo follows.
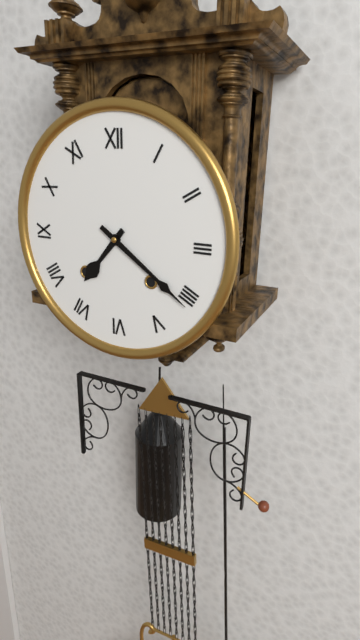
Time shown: 7:21
